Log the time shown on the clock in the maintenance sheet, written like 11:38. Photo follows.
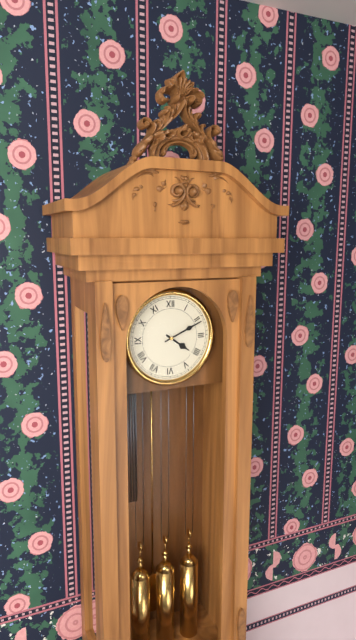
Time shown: 4:11
